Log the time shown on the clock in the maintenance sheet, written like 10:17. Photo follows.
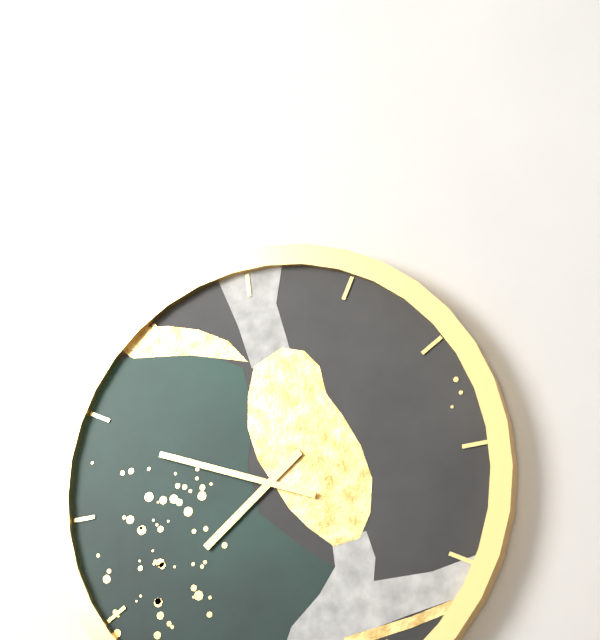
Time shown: 7:49
